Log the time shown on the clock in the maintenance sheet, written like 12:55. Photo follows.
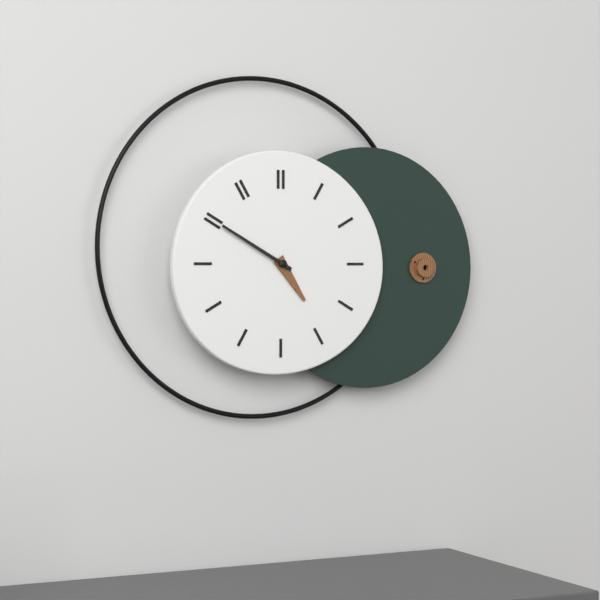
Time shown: 4:50
